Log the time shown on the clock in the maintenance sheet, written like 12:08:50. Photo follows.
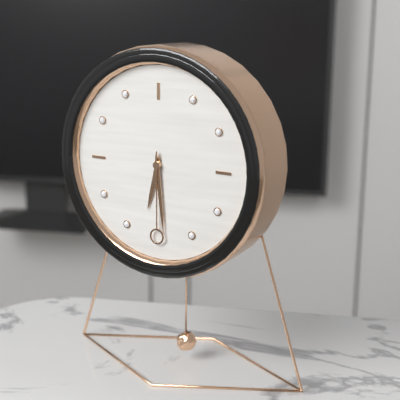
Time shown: 6:29:30
